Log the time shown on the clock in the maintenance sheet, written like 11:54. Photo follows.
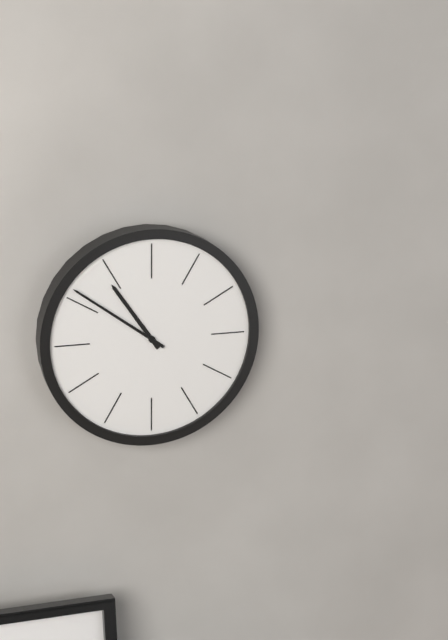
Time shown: 10:51
